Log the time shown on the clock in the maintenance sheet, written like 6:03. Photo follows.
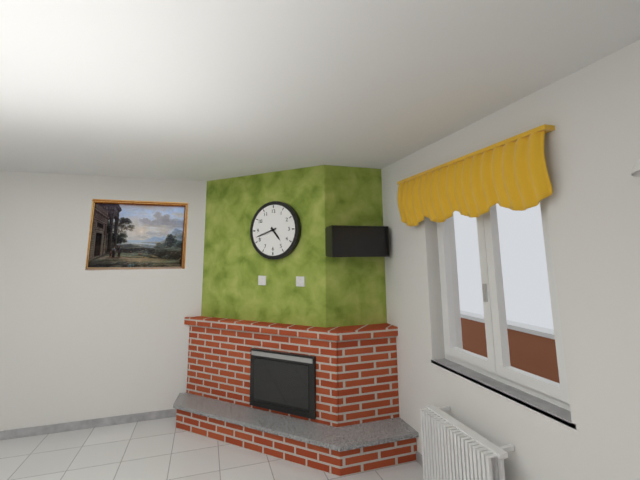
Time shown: 4:42
